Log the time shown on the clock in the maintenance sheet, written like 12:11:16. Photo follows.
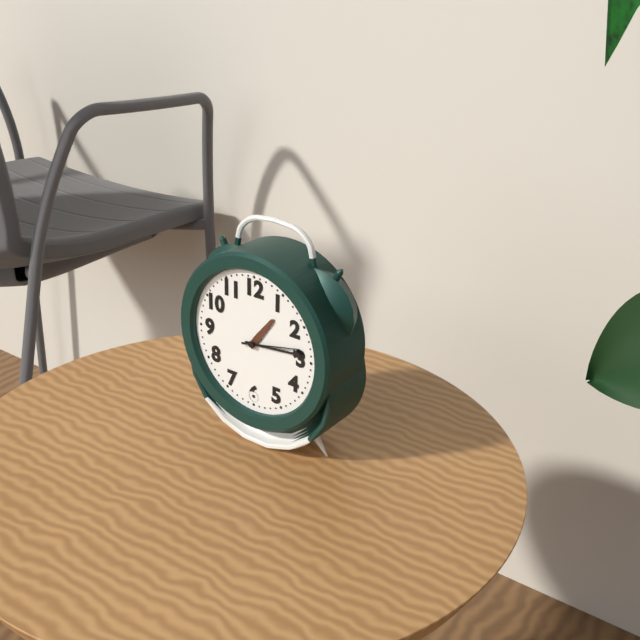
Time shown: 1:14:13
